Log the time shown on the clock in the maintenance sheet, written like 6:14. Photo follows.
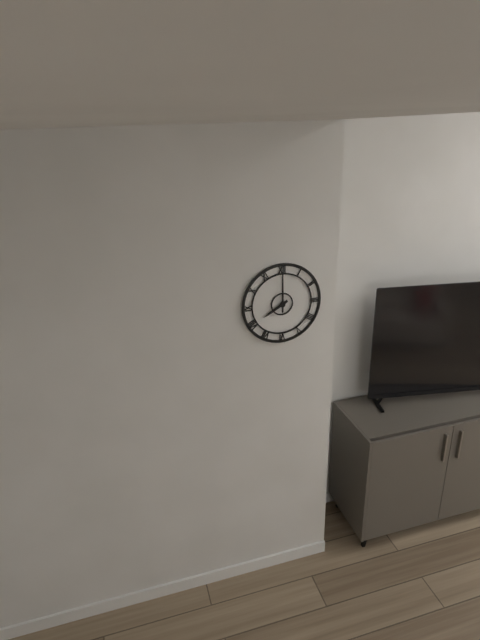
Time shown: 8:00
